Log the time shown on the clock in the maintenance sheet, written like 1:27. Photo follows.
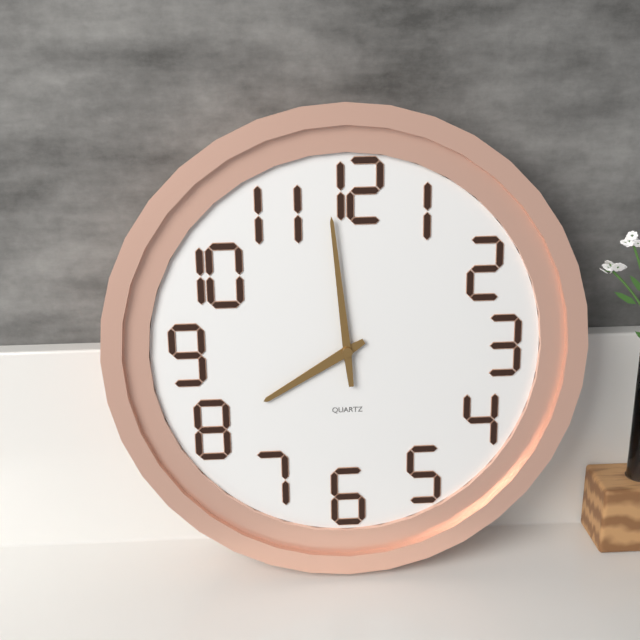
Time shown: 7:59
